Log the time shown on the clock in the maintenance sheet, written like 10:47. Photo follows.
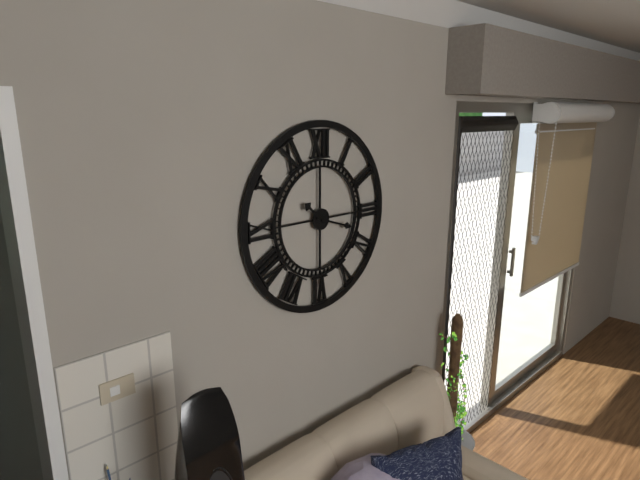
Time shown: 10:18
